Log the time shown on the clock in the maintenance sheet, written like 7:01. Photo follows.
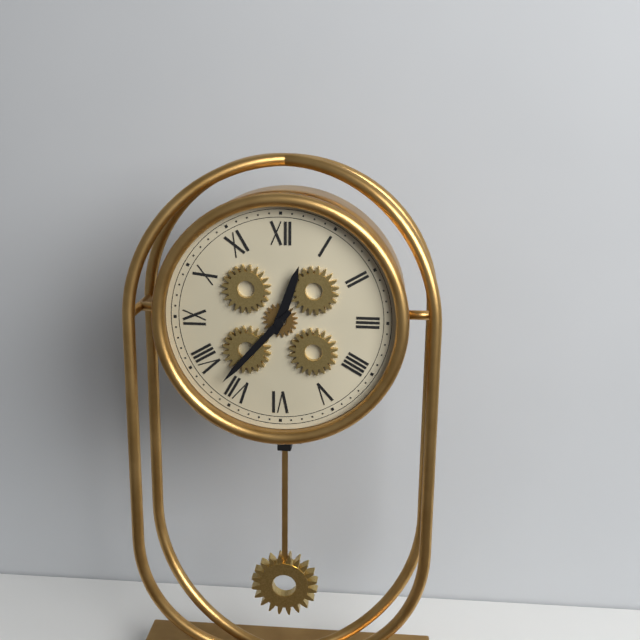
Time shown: 12:37
